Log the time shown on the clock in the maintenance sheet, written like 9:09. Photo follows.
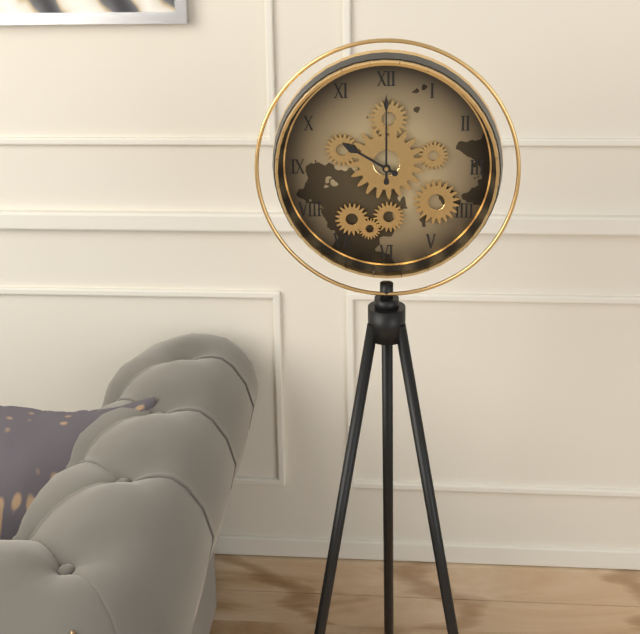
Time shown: 10:00
